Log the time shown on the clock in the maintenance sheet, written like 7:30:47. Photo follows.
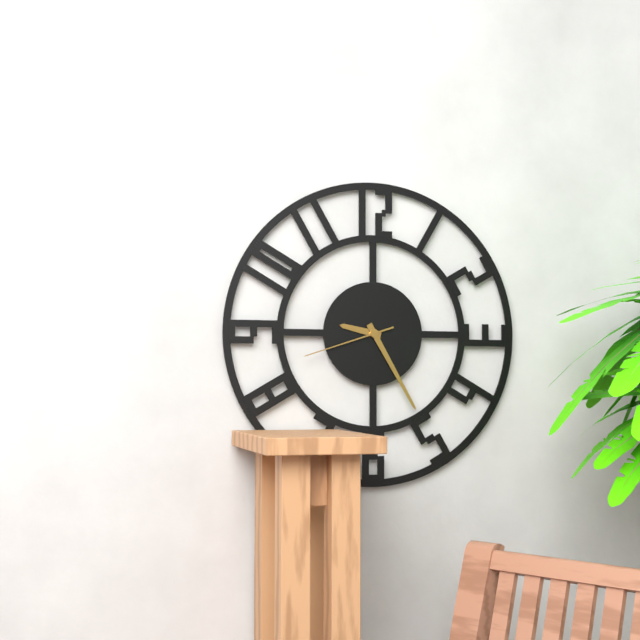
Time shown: 9:25:42
